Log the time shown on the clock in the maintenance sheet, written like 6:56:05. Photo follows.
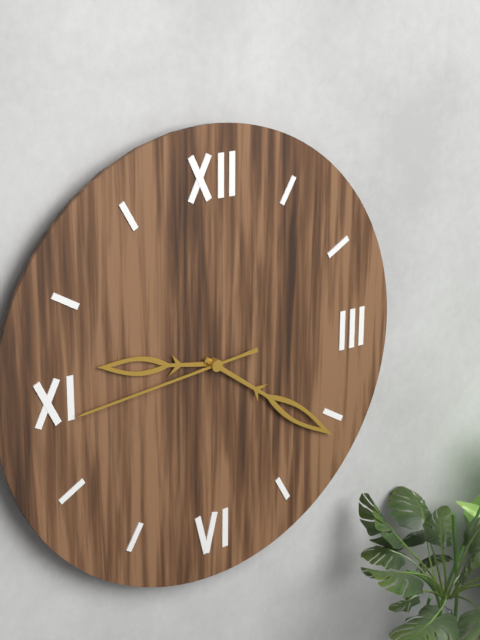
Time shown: 9:21:44
